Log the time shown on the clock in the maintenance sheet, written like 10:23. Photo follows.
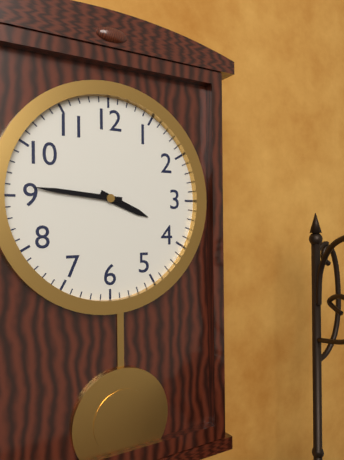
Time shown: 3:46
